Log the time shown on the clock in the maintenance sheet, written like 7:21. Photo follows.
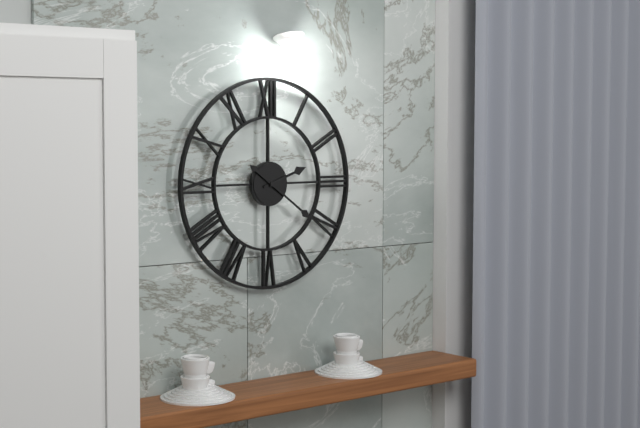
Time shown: 2:21
